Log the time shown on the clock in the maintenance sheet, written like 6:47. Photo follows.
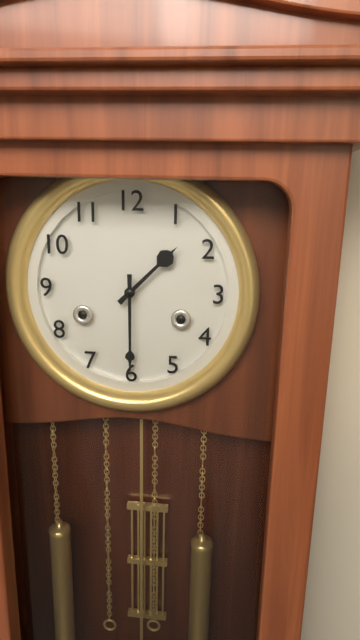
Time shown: 1:30
